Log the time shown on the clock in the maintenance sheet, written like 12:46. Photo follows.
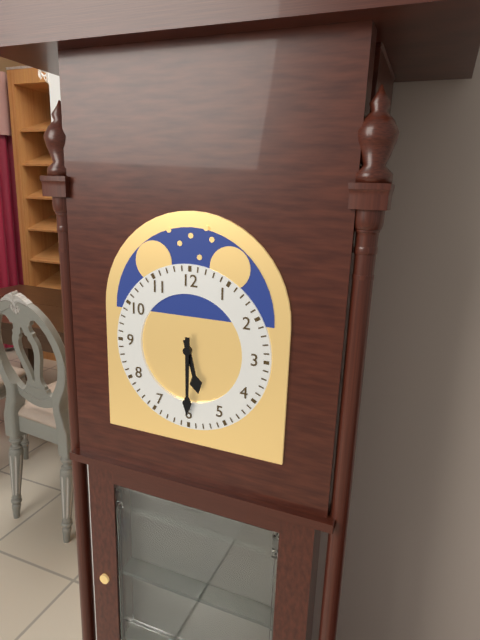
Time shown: 5:30
